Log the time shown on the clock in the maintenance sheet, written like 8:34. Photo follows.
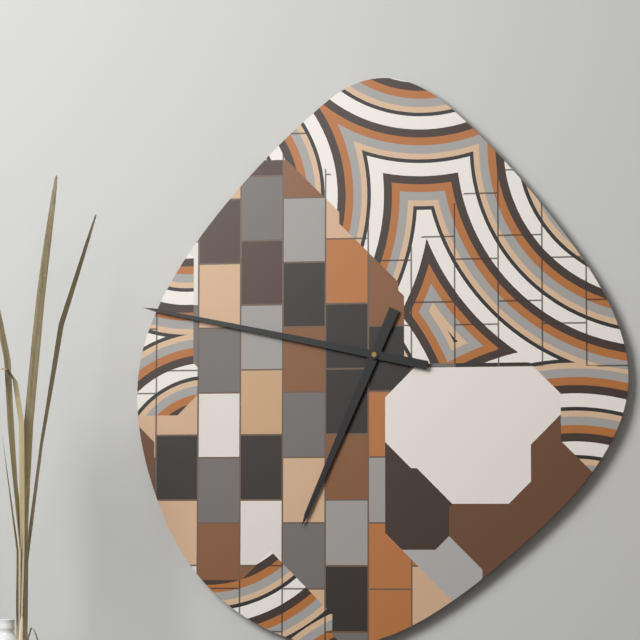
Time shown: 6:47
